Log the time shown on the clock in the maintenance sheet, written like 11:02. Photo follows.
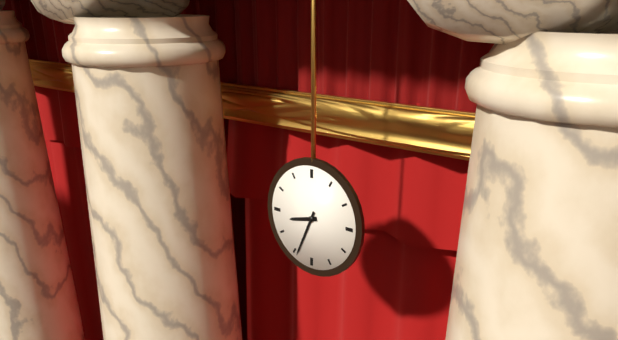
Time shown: 8:34
